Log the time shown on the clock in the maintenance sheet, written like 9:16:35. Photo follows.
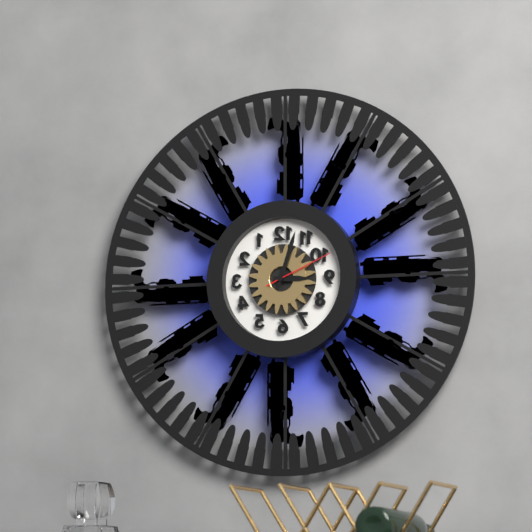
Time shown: 3:03:11
